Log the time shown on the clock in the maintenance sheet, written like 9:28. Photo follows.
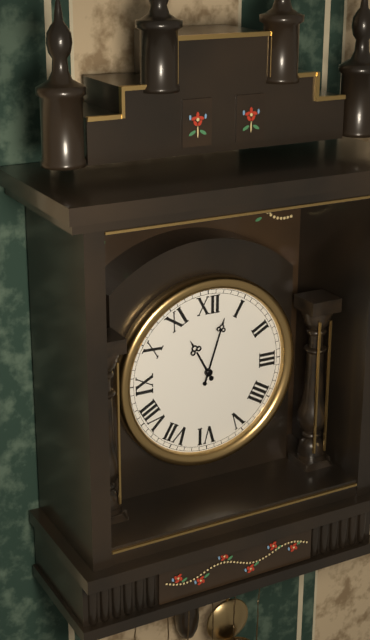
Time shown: 11:03
